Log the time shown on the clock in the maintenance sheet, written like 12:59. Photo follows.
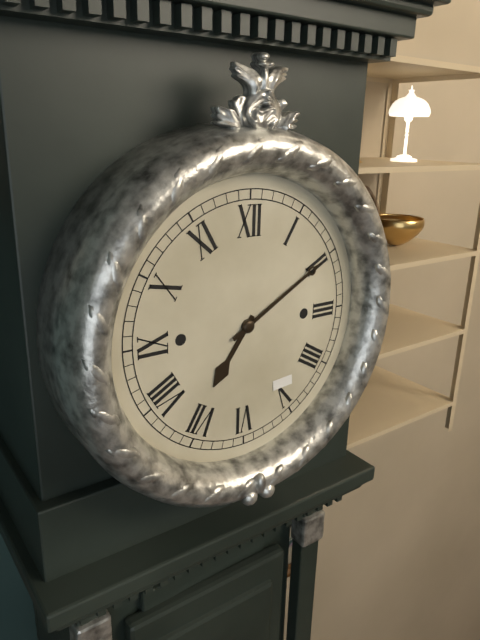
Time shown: 7:10
